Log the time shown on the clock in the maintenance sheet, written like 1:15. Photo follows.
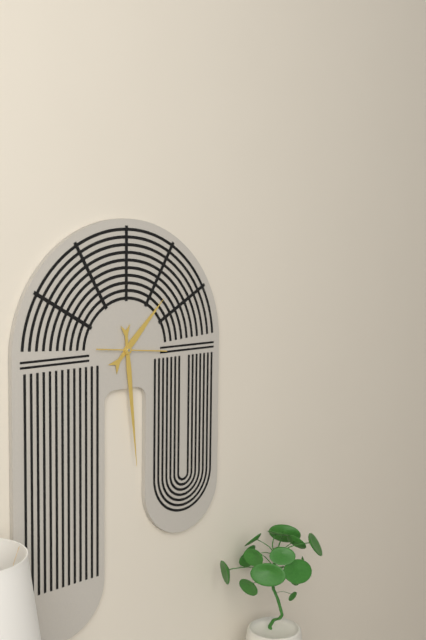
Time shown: 1:29
